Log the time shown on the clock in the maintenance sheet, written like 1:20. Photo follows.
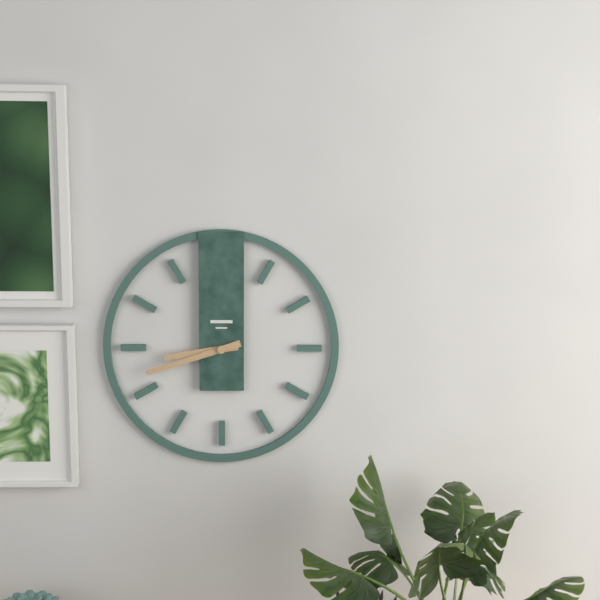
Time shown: 8:42
